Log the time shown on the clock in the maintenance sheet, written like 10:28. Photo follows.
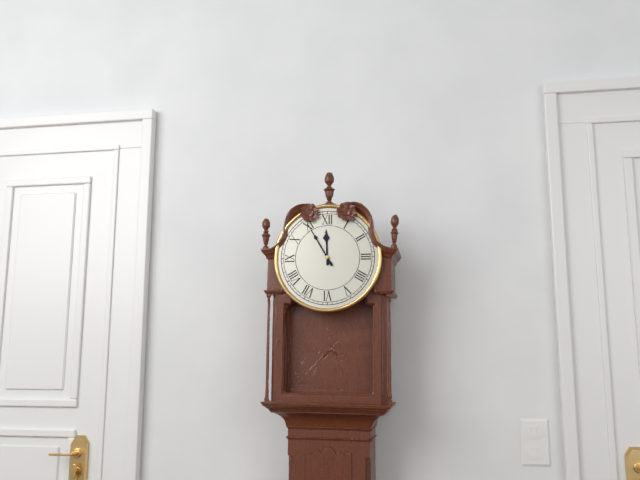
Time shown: 11:55
